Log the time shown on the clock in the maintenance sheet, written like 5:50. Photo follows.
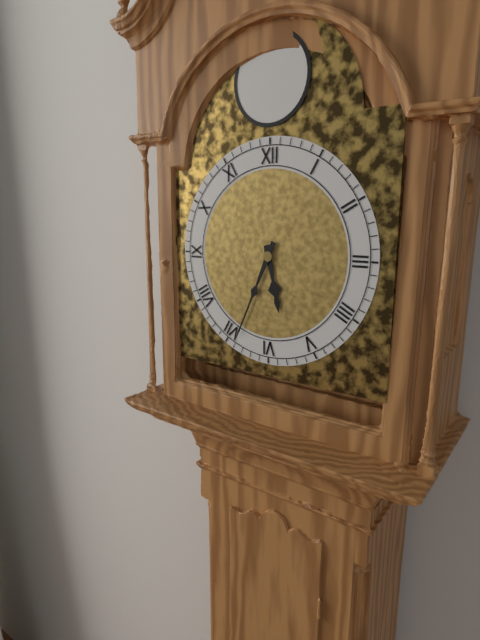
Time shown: 5:34
